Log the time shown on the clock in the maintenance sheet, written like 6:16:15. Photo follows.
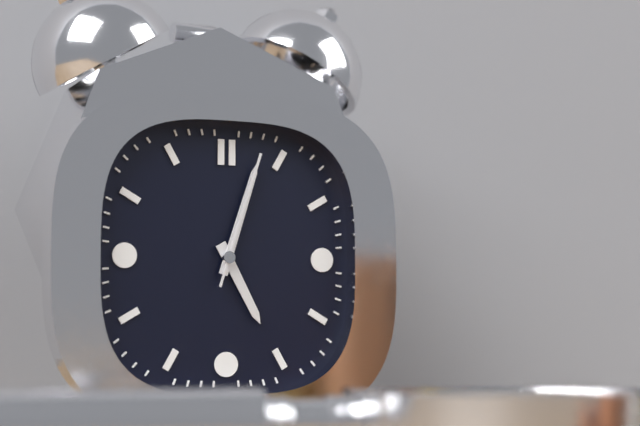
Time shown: 5:03:03
